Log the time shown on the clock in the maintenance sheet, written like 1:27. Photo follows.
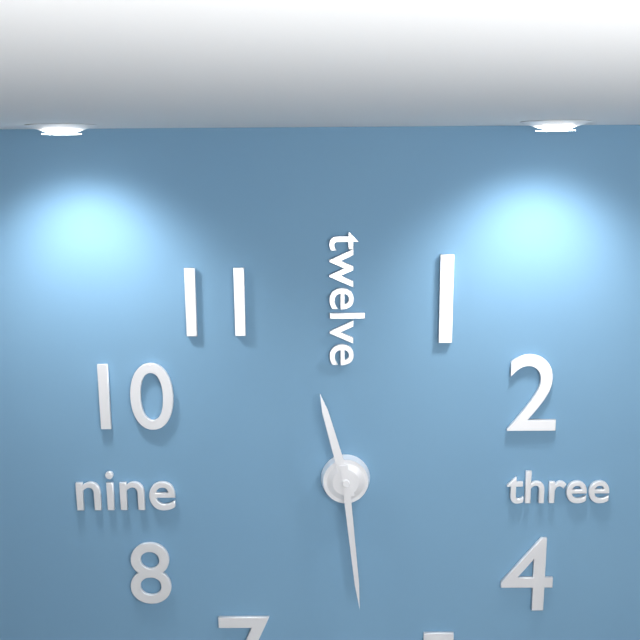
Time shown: 11:29
